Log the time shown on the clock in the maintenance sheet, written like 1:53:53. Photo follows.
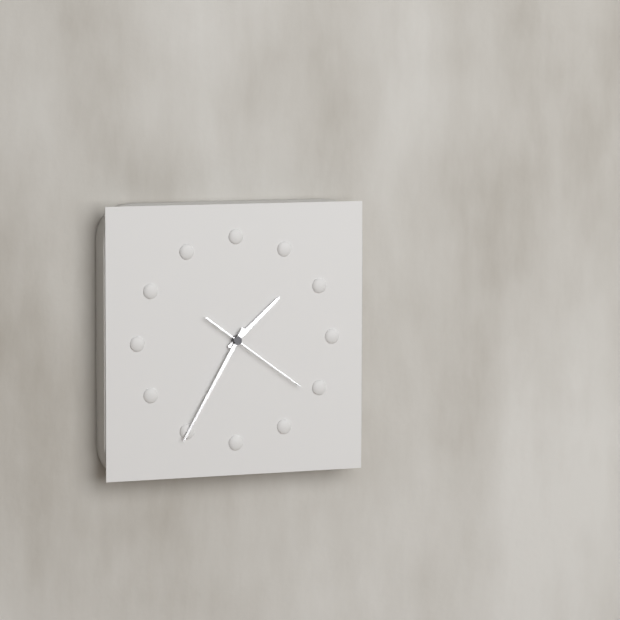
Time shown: 1:35:21
